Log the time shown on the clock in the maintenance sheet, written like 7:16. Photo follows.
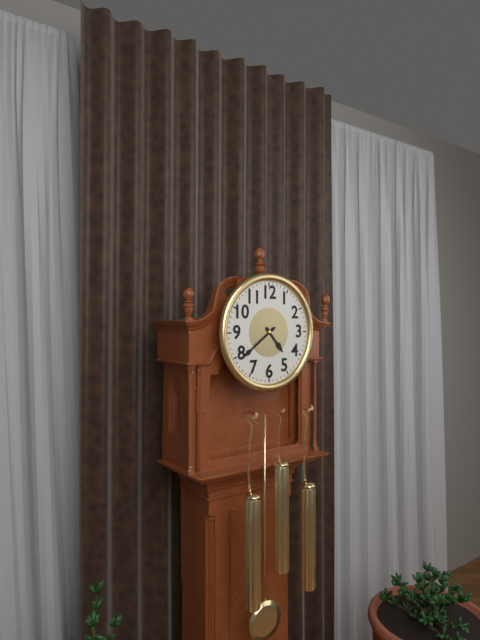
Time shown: 4:39
